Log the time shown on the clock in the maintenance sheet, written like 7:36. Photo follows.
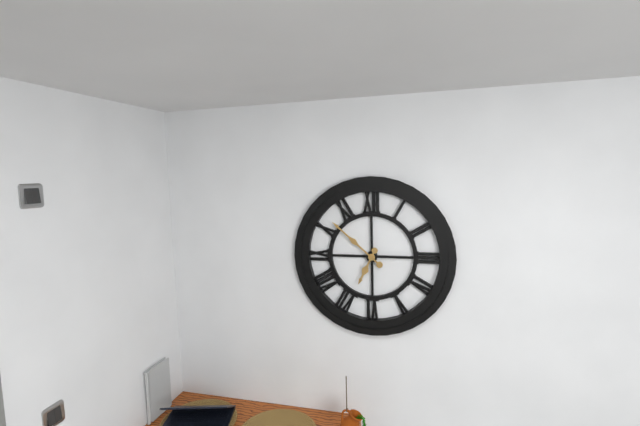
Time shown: 6:52
